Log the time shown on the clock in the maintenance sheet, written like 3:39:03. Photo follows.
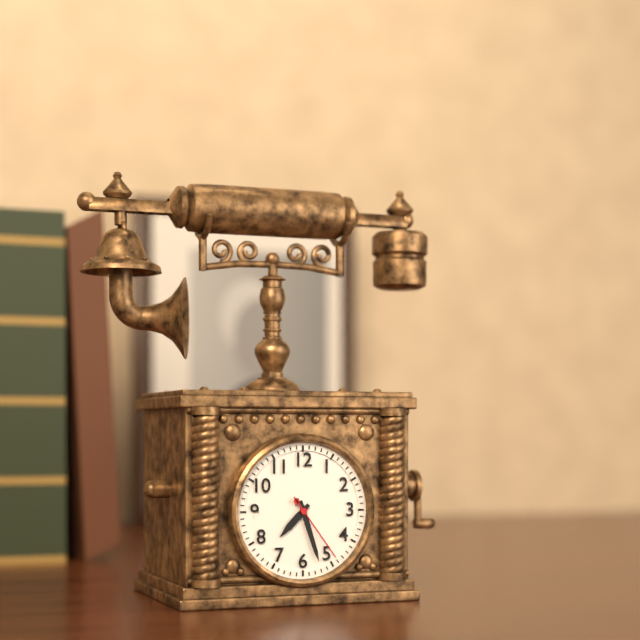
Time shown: 7:27:24
